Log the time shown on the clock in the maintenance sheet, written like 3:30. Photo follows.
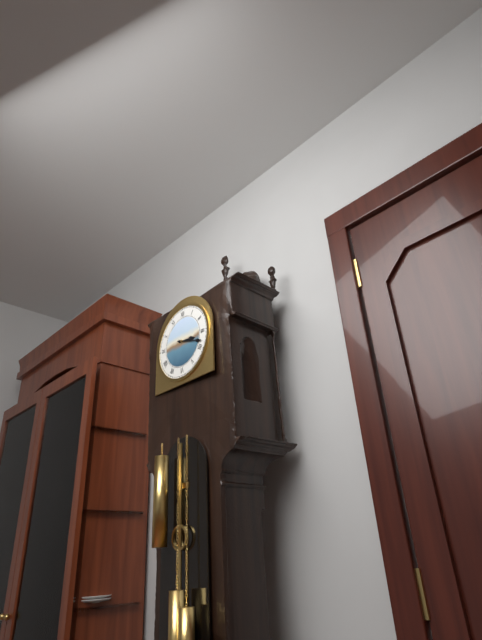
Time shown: 3:18
